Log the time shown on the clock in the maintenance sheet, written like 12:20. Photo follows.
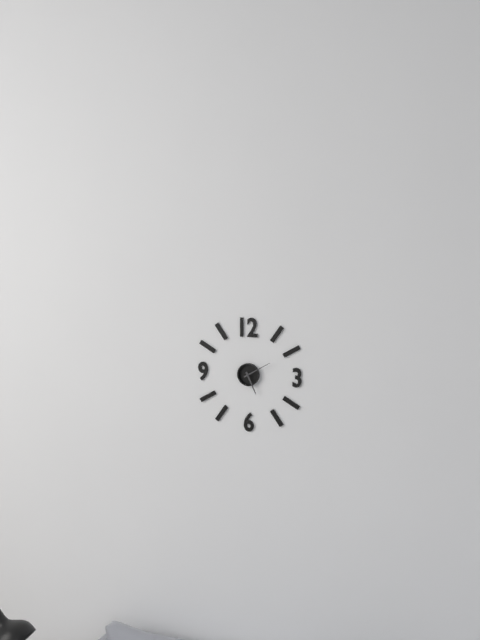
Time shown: 5:10
